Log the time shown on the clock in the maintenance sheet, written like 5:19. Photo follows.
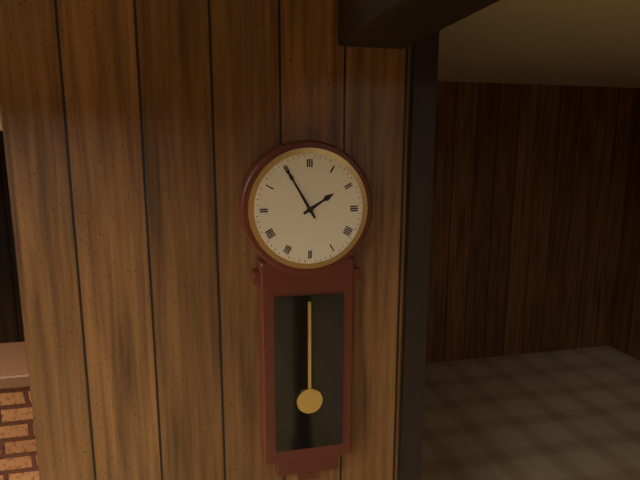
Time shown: 1:55
